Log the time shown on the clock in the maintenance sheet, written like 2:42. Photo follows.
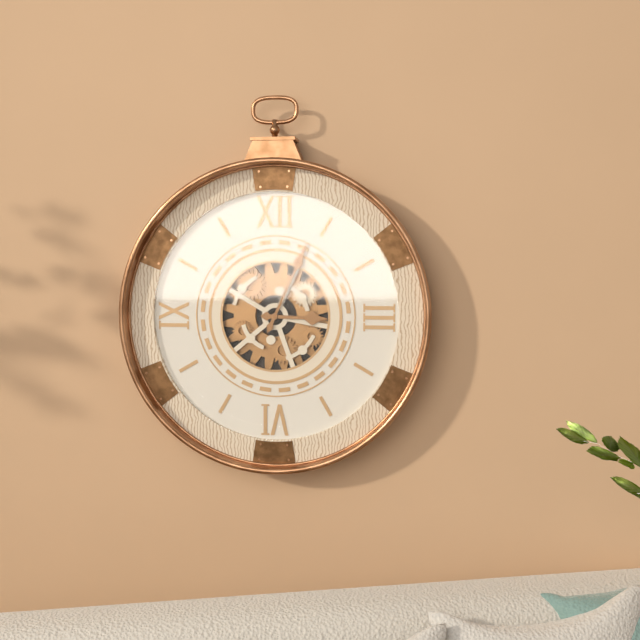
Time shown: 3:04
